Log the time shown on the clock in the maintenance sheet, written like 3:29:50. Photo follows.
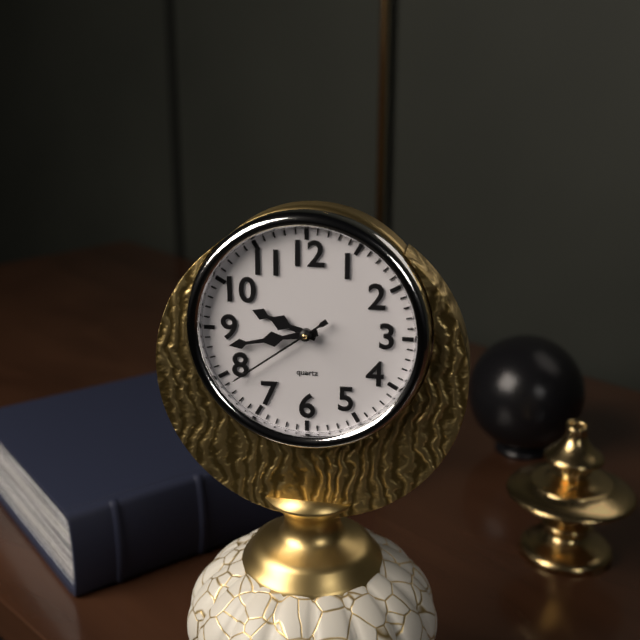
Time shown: 9:43:39
